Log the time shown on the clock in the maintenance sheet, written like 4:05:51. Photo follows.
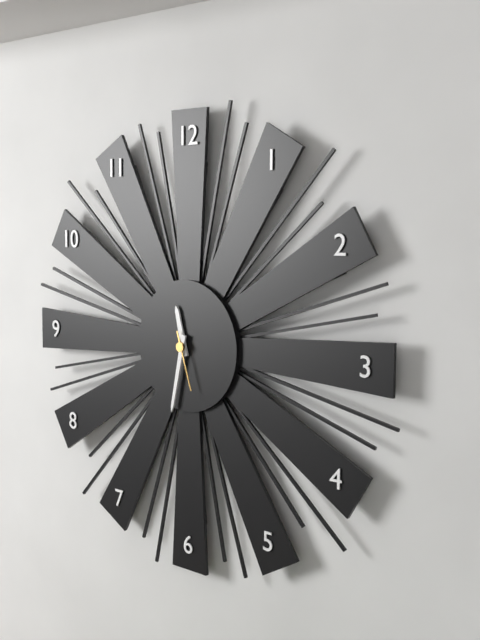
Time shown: 11:32:27
